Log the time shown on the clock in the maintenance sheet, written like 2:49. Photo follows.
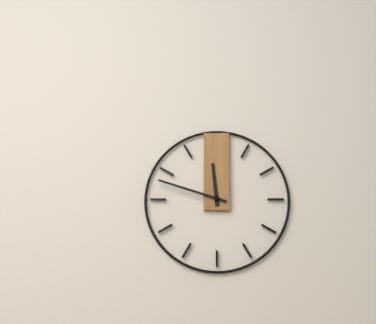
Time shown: 11:48
